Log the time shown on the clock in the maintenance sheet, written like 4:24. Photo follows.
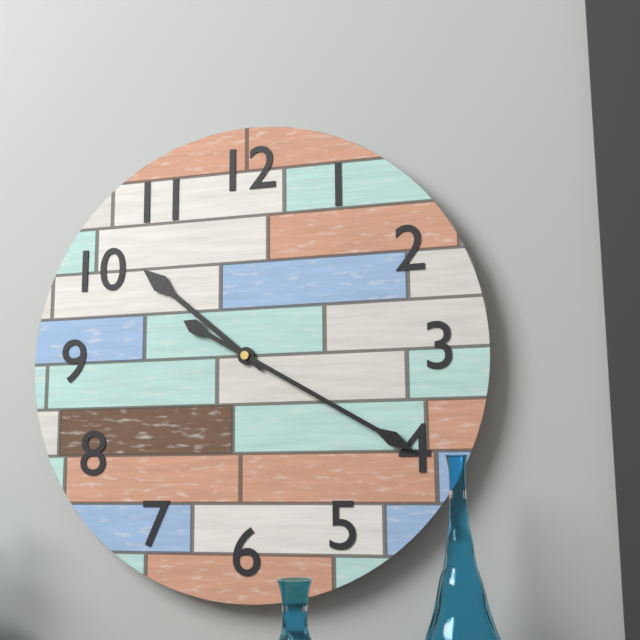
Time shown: 10:20
